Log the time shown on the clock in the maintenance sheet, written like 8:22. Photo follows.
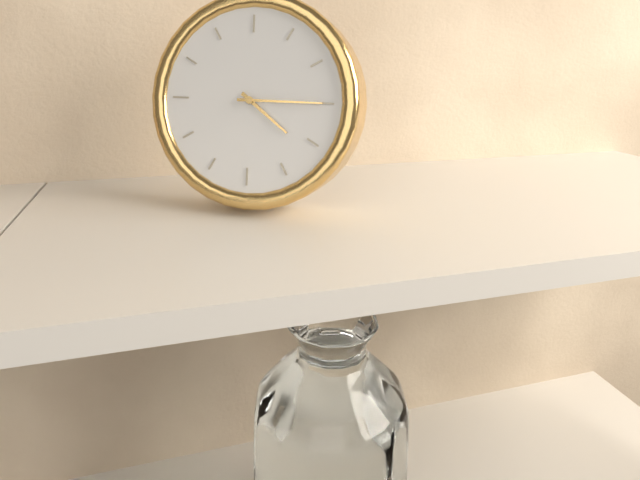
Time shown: 4:15
